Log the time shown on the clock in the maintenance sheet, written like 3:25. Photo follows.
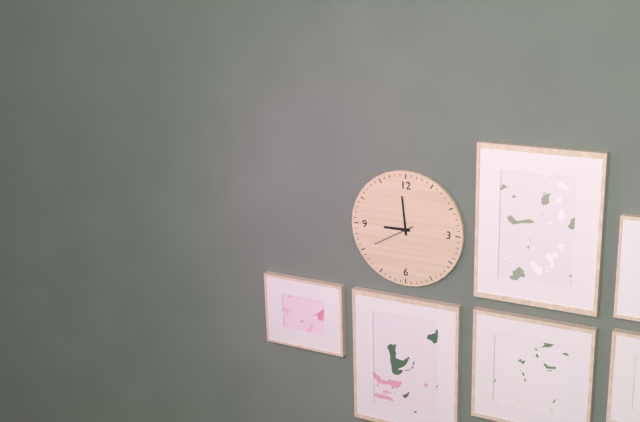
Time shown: 8:59
